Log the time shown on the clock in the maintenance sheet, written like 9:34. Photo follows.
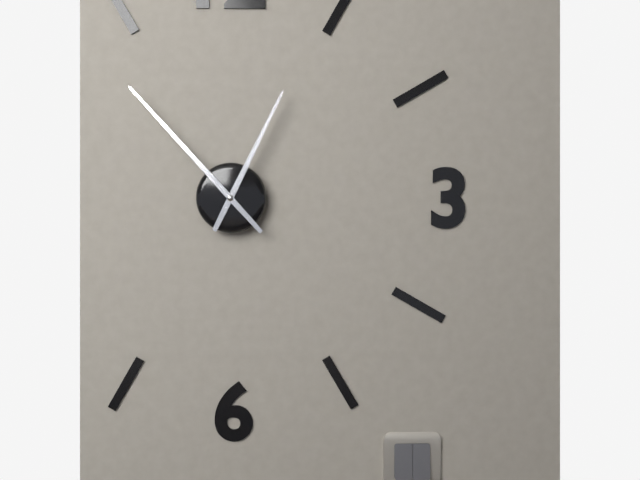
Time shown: 12:53
